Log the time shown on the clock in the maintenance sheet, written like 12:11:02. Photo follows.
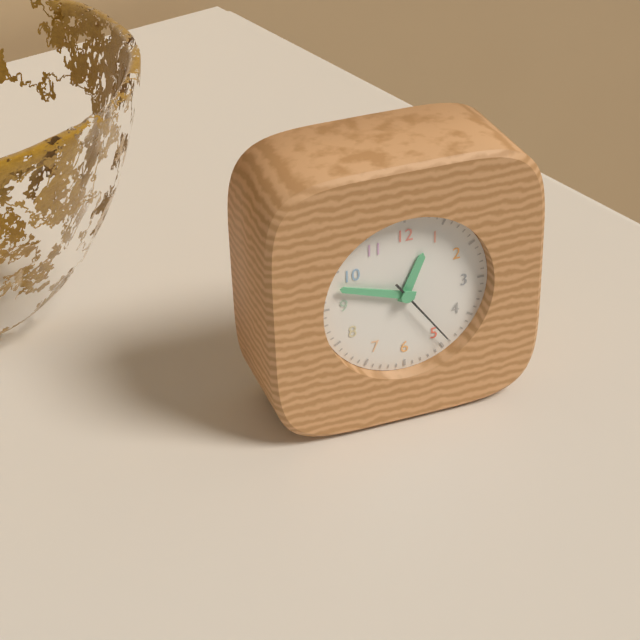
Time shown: 12:48:24
